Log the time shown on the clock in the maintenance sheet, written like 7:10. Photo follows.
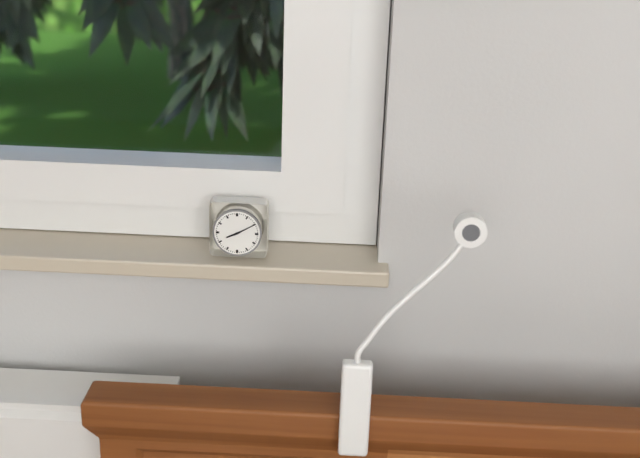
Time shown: 8:10
